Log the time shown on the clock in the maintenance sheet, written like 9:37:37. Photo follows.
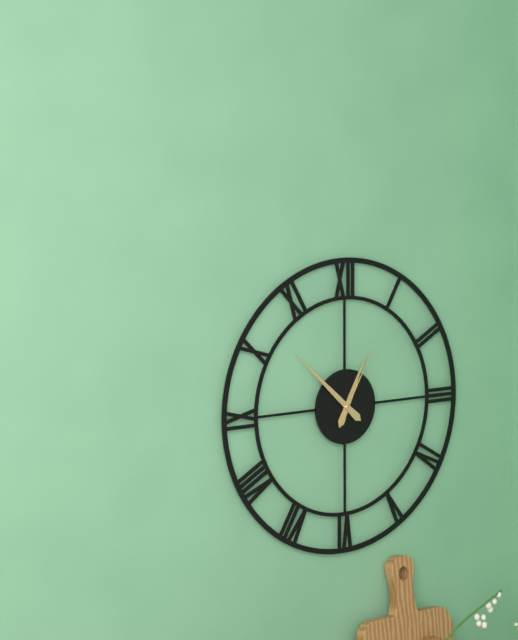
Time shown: 12:52:05
